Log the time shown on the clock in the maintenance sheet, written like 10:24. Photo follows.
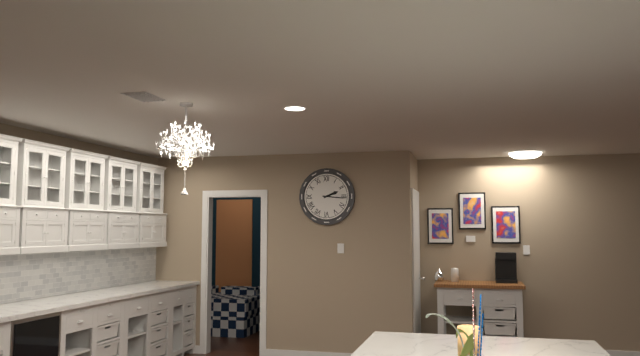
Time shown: 2:16
